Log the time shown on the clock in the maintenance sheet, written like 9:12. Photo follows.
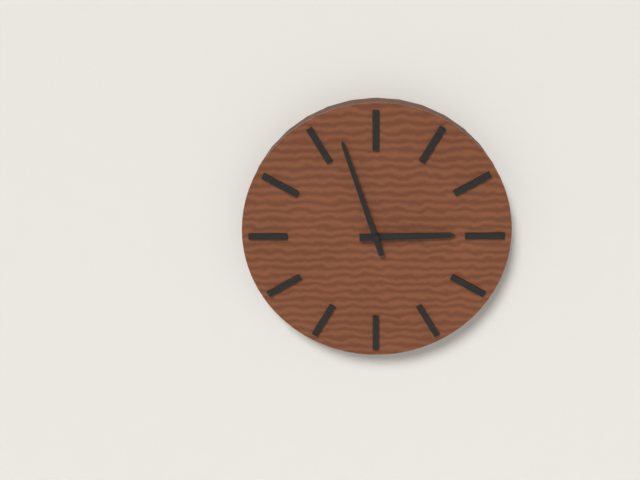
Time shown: 2:57
